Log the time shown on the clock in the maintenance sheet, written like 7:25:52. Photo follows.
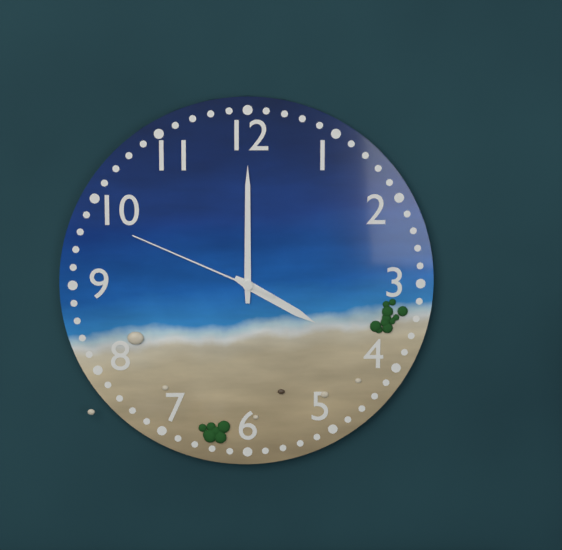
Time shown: 4:00:49
